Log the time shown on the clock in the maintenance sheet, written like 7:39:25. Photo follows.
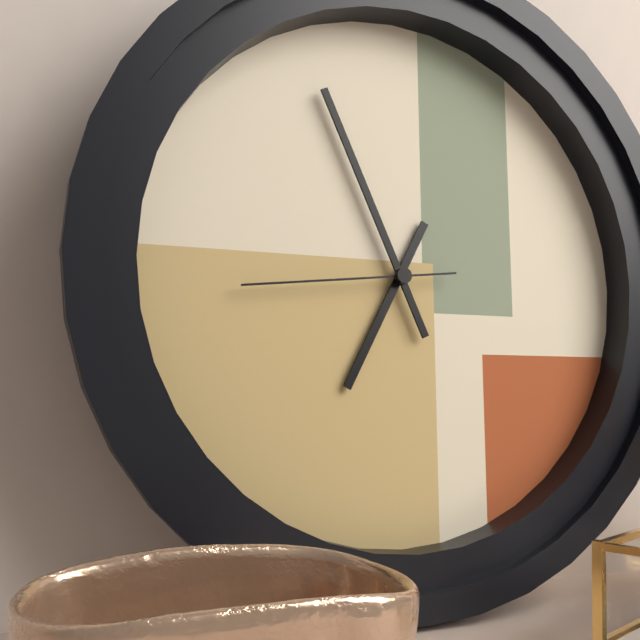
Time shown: 6:56:44
